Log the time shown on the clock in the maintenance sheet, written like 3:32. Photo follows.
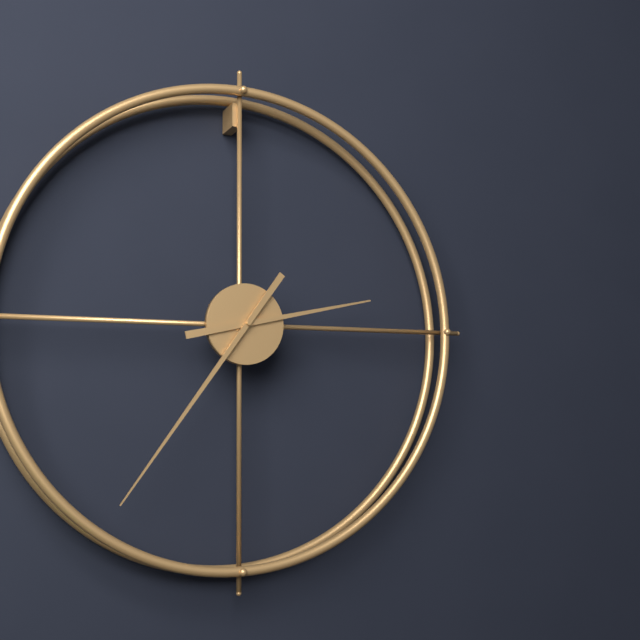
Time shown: 2:36
